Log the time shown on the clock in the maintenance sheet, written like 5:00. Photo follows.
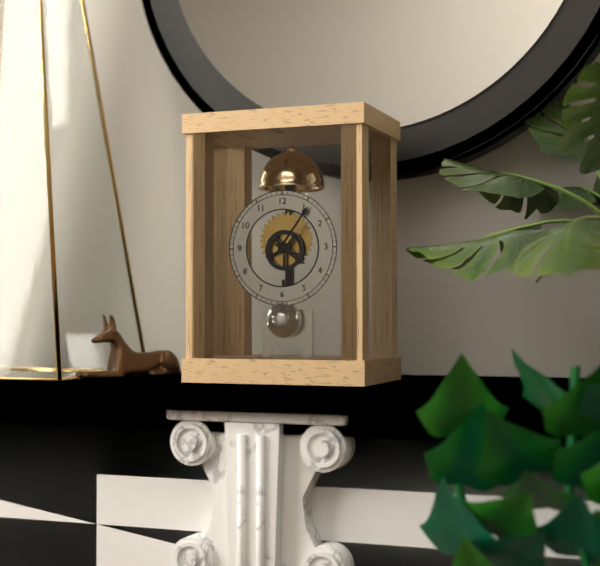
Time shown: 4:06
